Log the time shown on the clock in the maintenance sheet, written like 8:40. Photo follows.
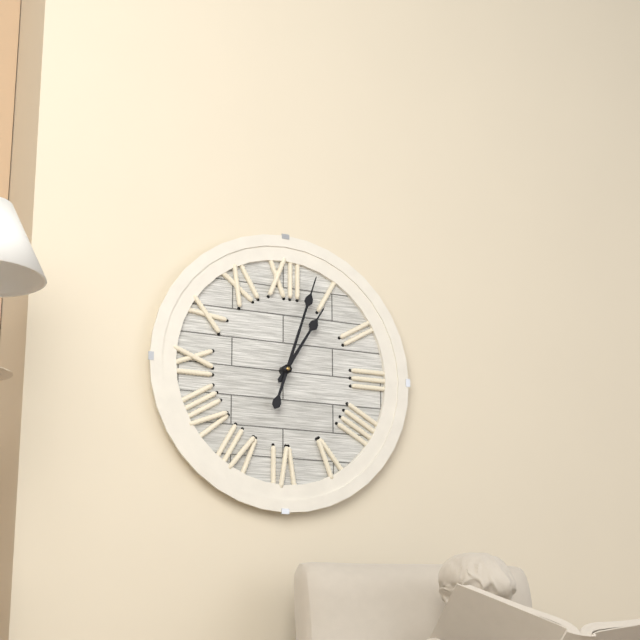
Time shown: 1:03
